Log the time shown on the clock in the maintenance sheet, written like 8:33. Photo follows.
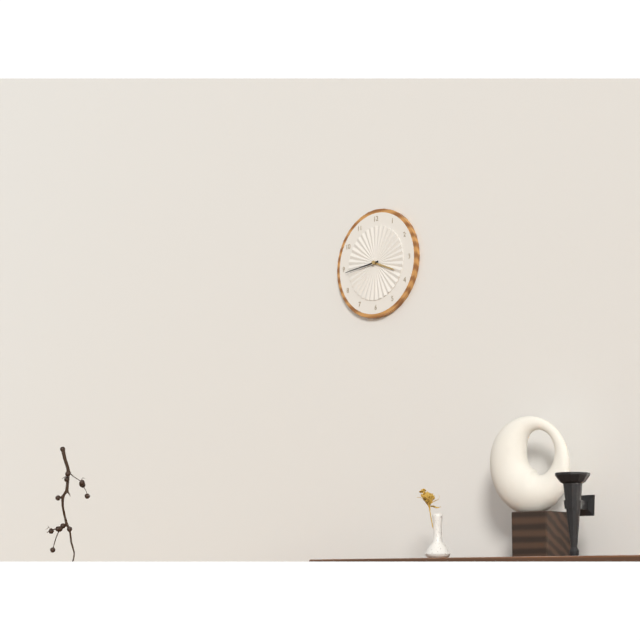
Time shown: 3:44
